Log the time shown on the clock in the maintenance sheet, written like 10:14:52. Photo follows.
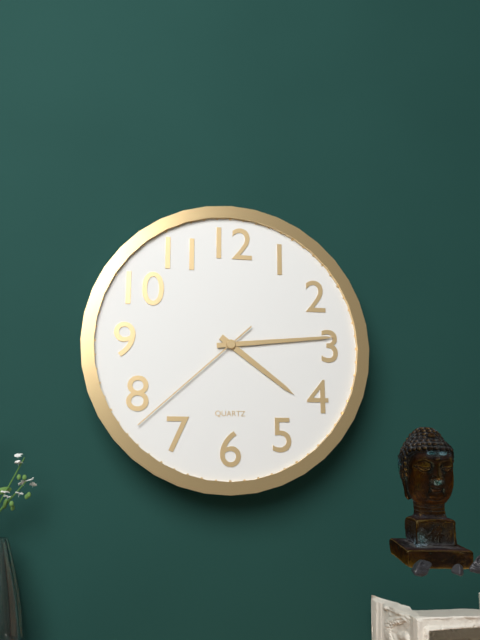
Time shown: 4:14:38
